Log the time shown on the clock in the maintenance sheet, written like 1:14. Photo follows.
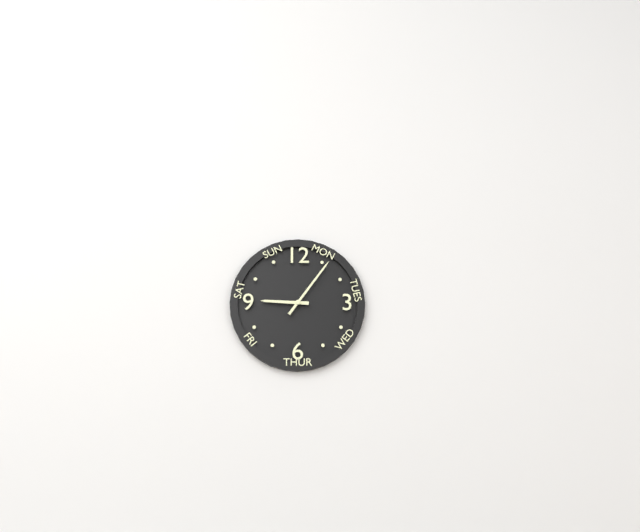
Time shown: 9:06
